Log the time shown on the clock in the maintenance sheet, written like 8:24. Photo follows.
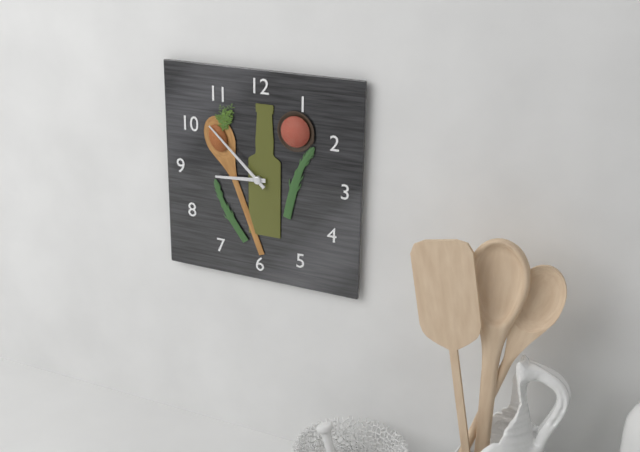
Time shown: 8:52
